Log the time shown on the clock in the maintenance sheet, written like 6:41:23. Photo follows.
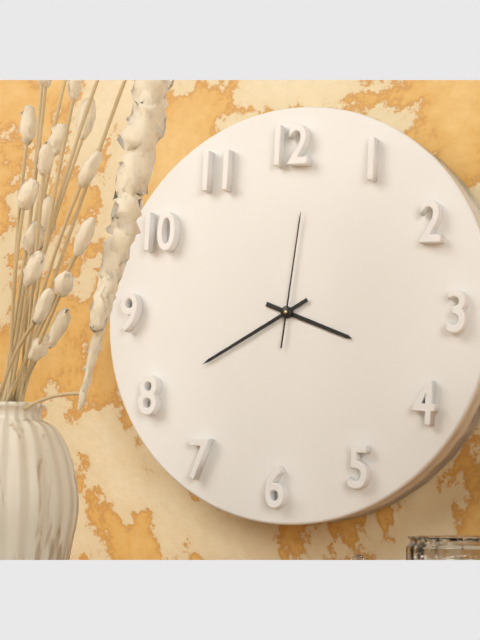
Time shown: 3:40:01
